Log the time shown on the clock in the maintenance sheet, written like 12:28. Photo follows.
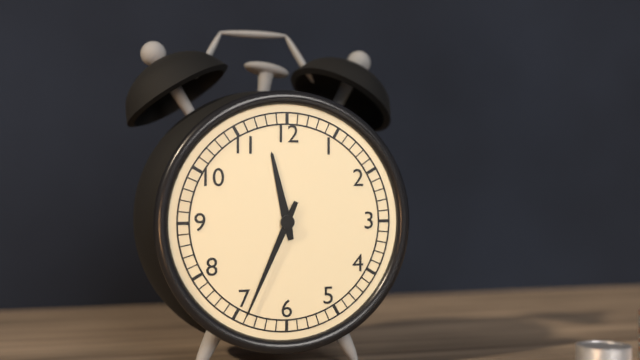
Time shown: 11:34
